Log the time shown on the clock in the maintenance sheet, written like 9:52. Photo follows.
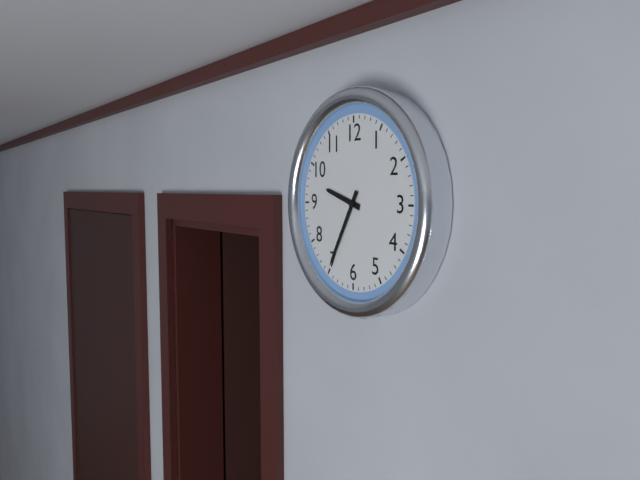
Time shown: 9:35
